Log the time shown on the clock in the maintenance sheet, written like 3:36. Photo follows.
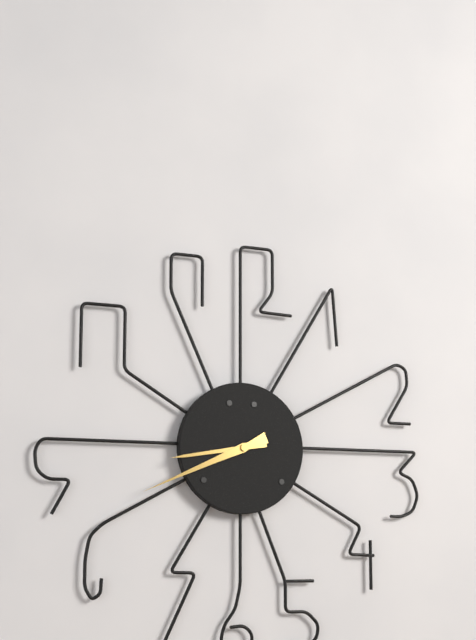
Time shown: 8:41
